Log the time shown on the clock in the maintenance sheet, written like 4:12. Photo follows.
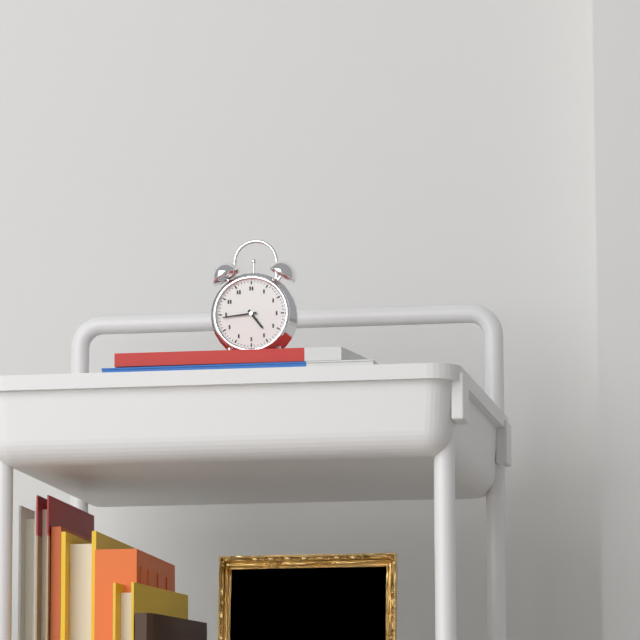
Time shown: 4:44
